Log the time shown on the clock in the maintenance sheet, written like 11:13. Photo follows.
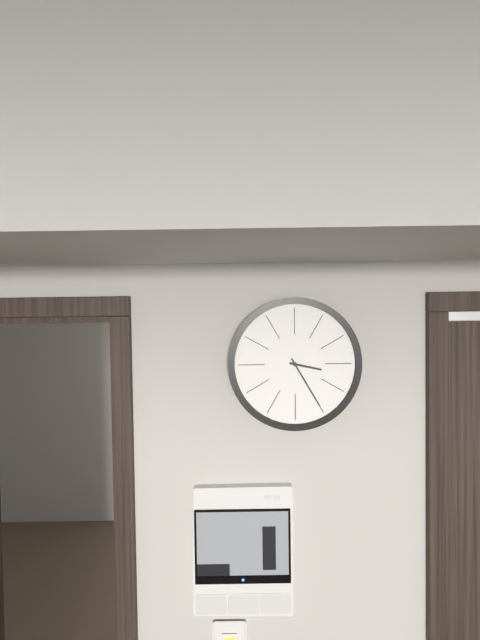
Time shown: 3:25
